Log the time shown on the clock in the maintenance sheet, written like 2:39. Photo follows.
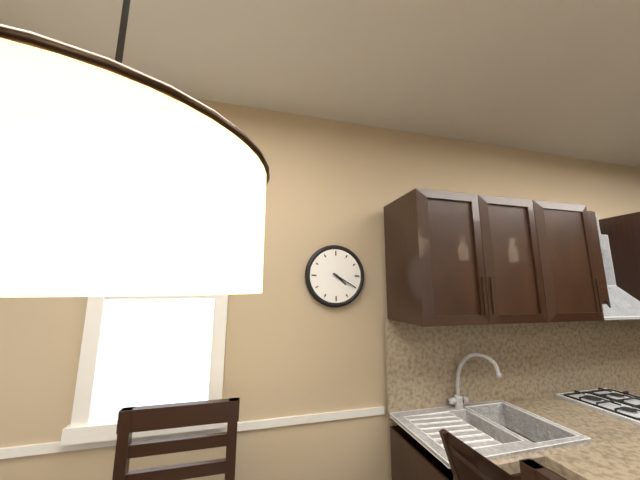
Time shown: 4:20
